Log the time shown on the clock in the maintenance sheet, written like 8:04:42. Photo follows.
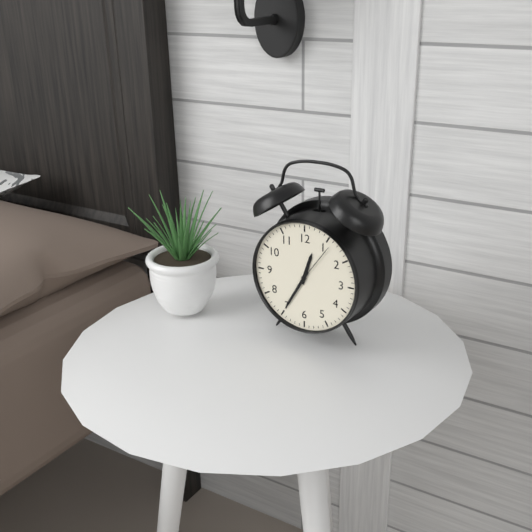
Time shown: 12:35:06
